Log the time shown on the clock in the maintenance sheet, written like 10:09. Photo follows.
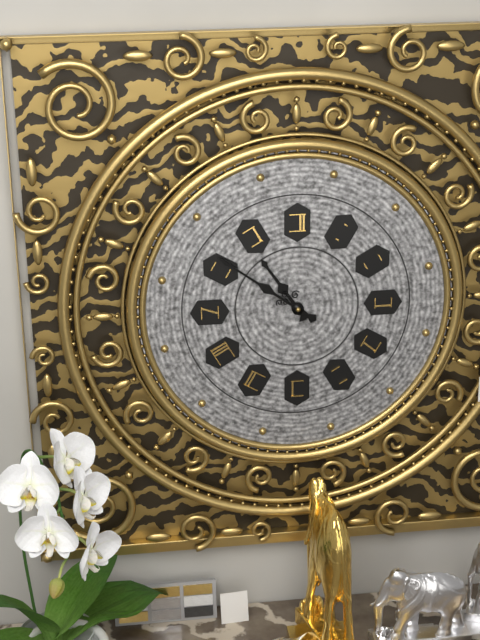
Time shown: 10:51
